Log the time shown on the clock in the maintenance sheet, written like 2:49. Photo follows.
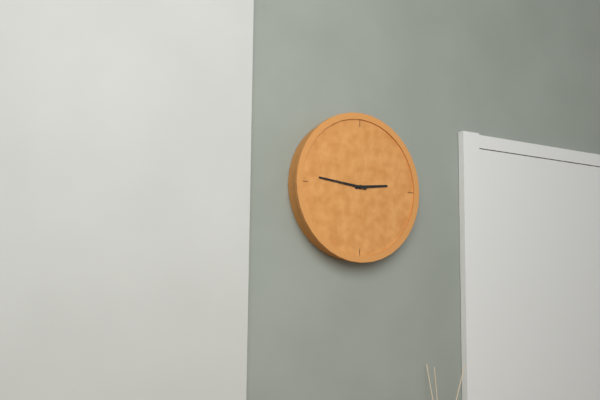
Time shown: 2:46
